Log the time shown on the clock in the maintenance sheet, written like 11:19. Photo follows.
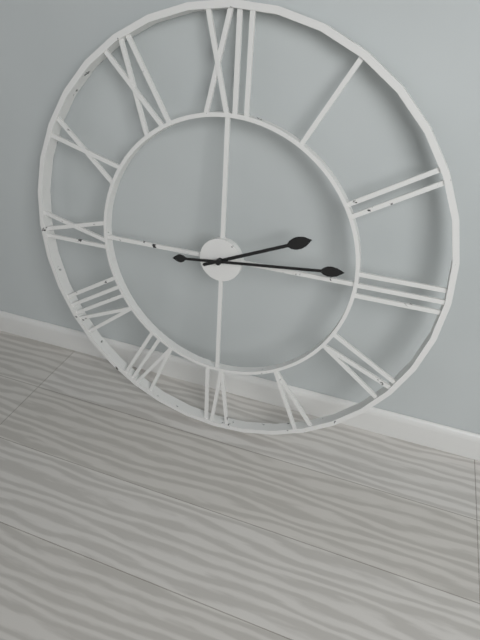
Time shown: 2:14
